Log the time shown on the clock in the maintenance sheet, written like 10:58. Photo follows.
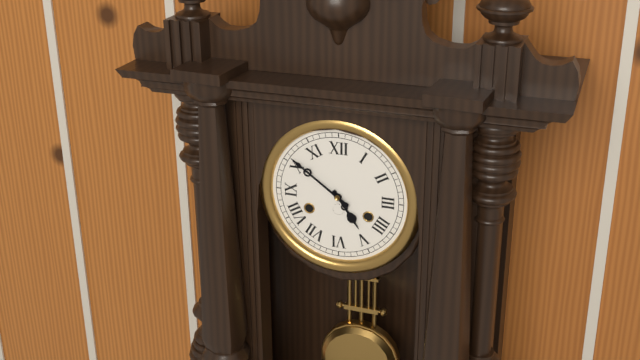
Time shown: 4:51
